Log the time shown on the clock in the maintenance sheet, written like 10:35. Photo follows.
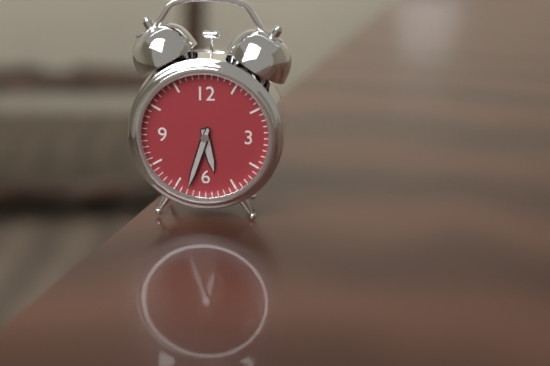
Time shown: 5:33
